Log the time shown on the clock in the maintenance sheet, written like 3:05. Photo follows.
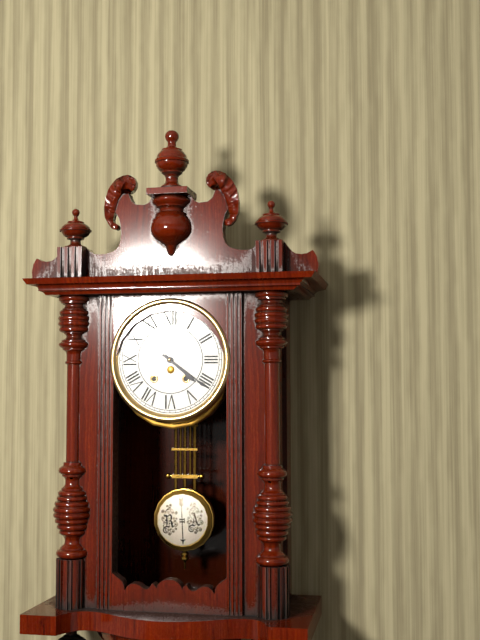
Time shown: 4:21
